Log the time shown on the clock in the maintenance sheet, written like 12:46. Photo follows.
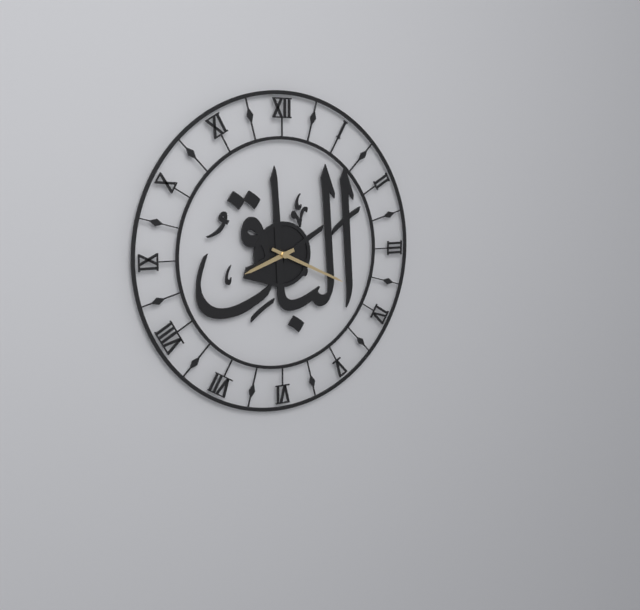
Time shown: 8:19
